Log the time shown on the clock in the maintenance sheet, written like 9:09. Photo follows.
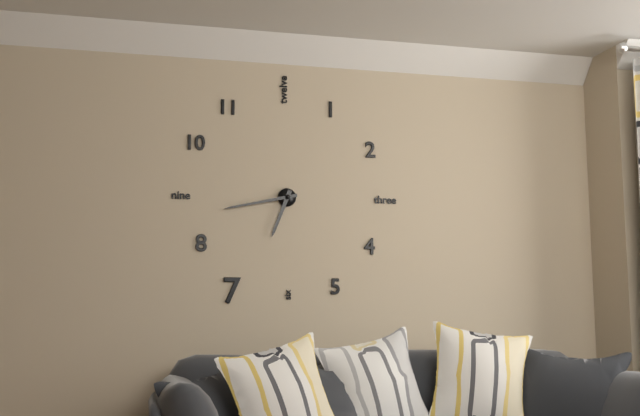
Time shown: 6:43
